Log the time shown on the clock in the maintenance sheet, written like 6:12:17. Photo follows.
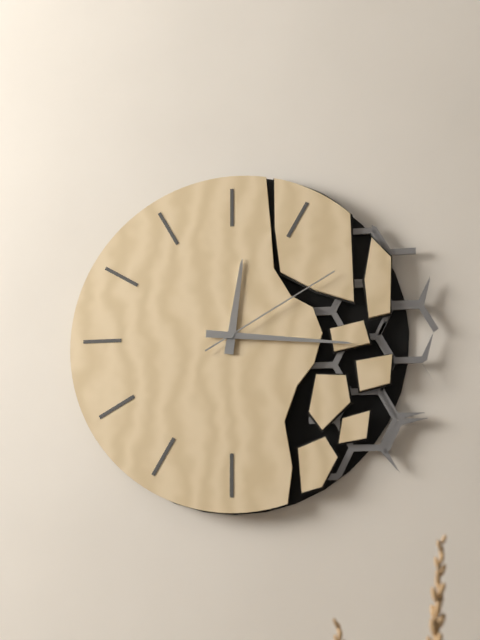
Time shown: 12:16:10
